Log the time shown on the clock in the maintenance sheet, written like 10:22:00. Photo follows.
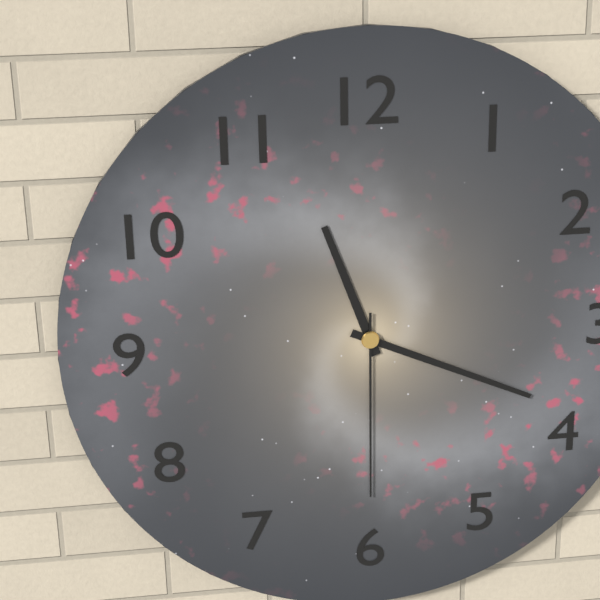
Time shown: 11:19:30
